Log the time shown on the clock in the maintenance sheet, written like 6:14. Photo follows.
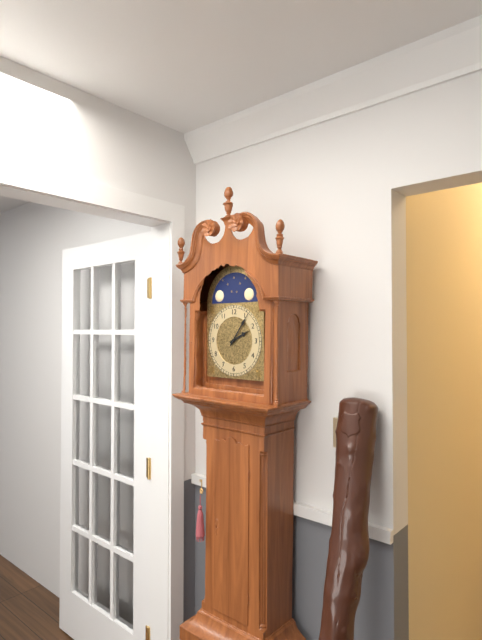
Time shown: 2:06
